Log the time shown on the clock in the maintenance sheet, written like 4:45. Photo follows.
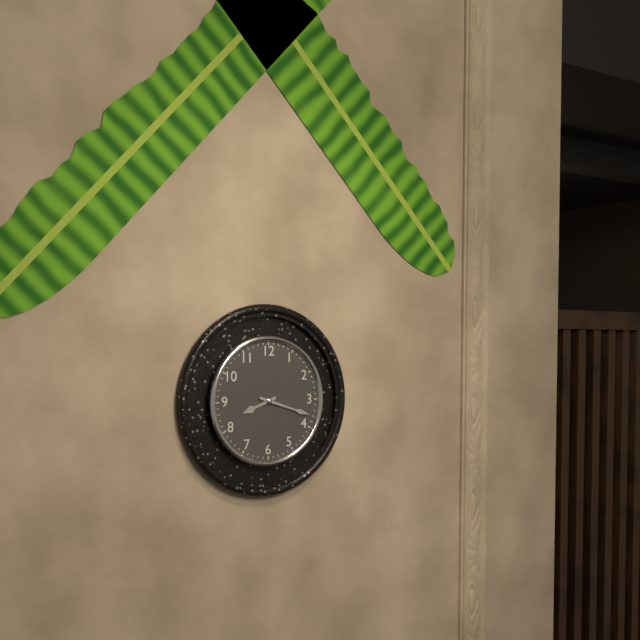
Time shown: 8:18
